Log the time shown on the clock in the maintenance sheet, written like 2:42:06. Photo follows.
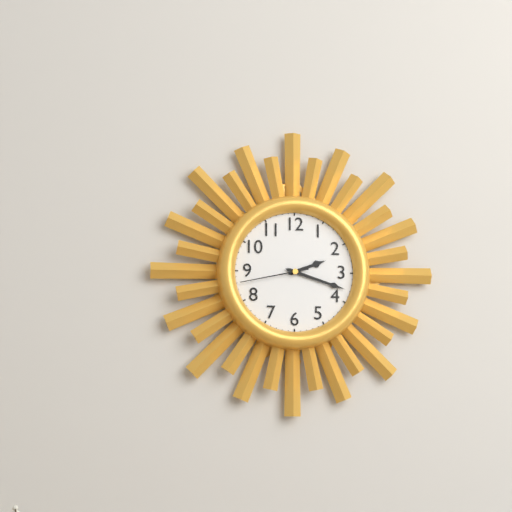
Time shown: 2:18:43
